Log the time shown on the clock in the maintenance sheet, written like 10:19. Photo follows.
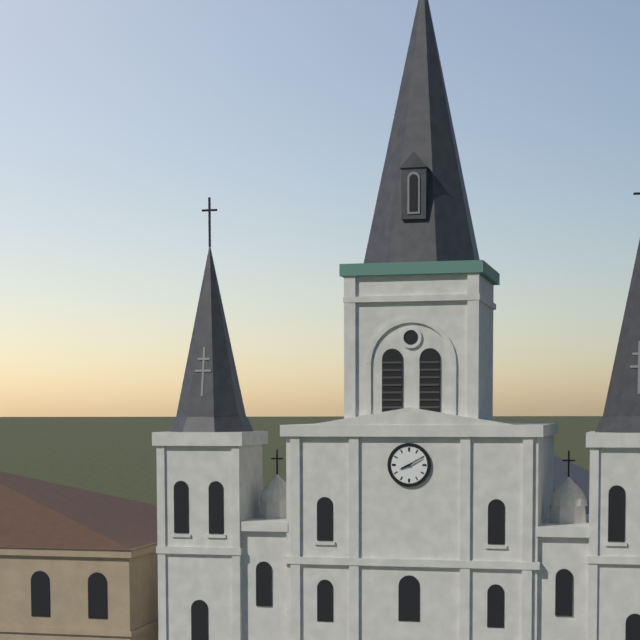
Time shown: 8:10
